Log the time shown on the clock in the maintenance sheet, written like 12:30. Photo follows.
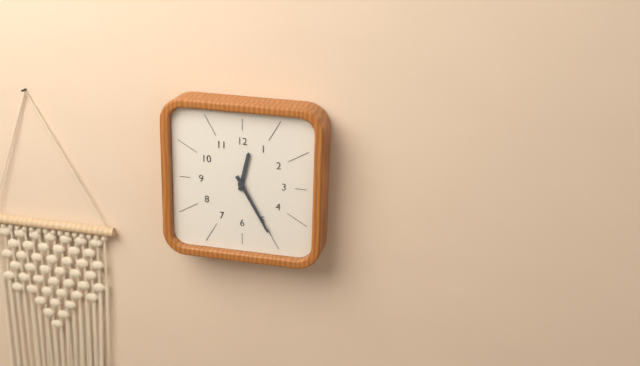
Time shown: 12:25
